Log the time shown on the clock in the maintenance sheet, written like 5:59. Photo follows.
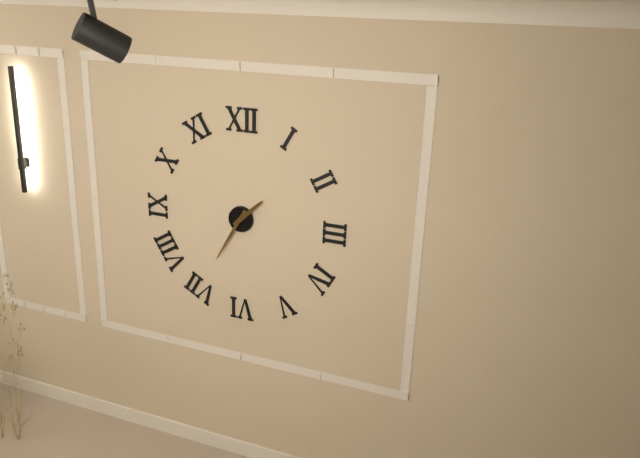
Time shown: 1:35
